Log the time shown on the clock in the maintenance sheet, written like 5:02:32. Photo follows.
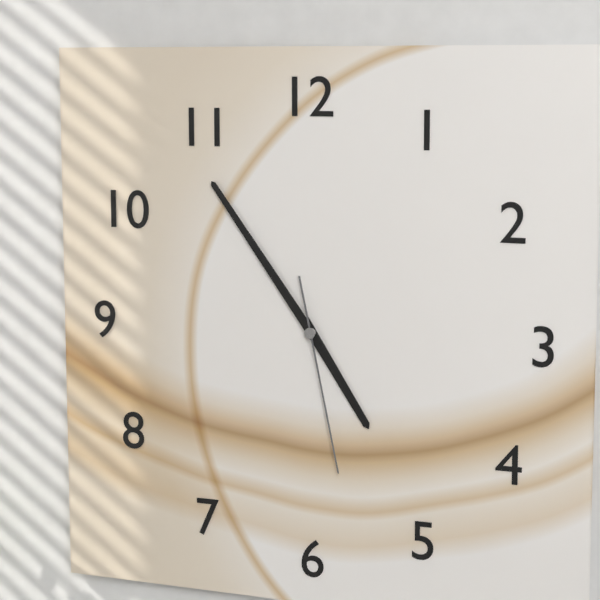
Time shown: 4:54:28
